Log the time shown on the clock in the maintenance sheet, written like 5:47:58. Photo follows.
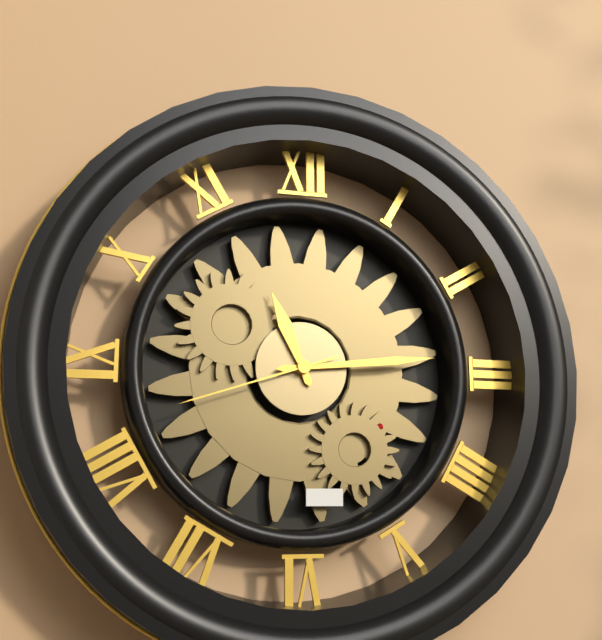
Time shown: 11:14:42
